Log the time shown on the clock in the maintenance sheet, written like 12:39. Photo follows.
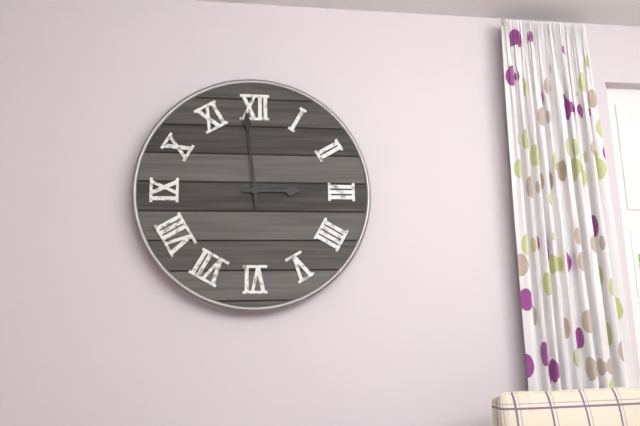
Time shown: 2:59
